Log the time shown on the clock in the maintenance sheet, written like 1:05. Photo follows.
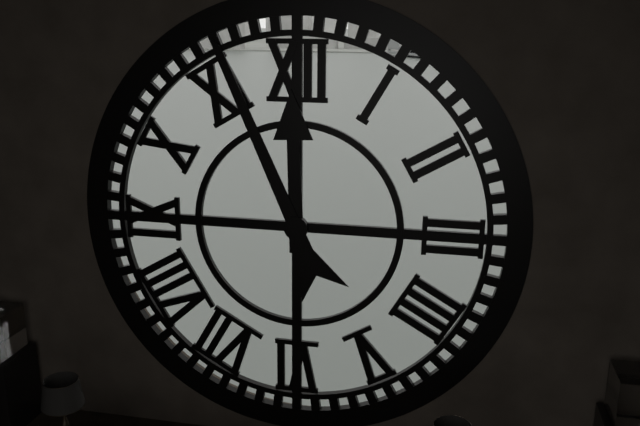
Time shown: 11:56
